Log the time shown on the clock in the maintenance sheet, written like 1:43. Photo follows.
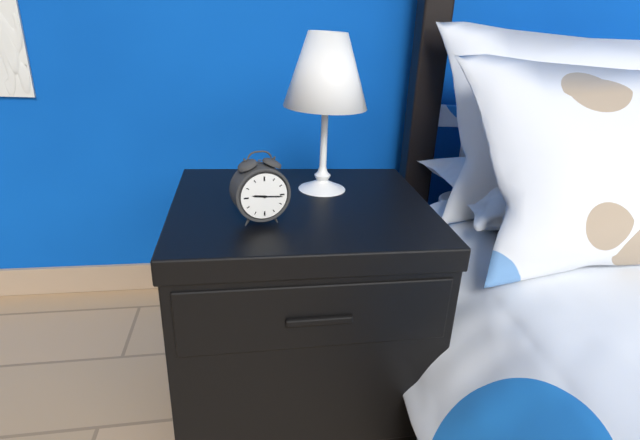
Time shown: 9:16
